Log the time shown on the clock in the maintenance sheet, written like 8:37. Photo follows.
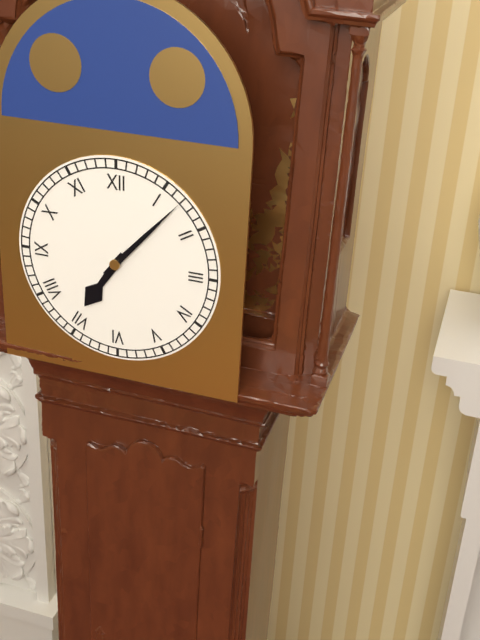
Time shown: 7:07
